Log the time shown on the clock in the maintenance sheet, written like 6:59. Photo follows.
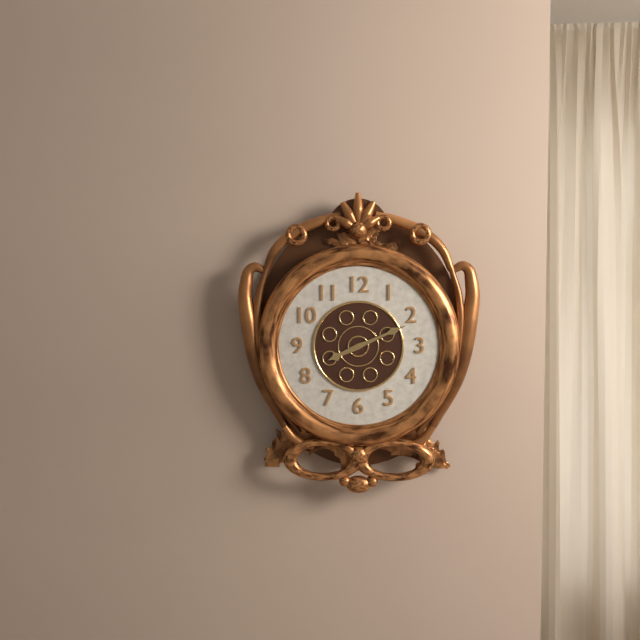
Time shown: 8:11
